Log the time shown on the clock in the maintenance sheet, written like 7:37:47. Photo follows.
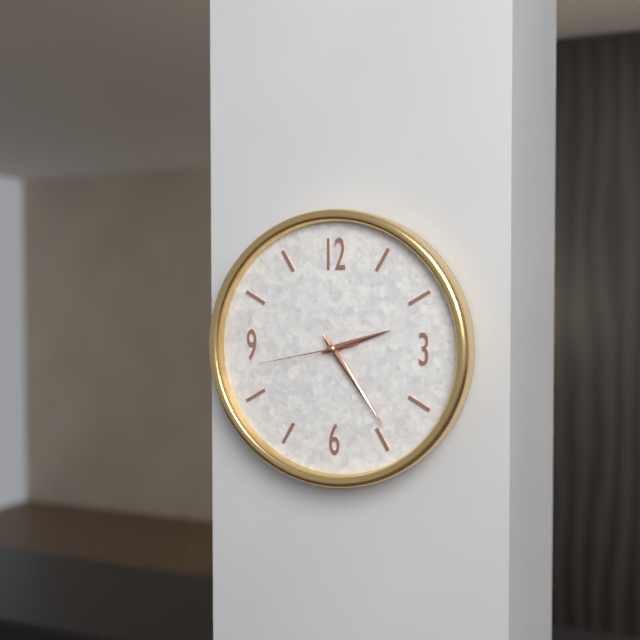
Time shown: 2:24:43
